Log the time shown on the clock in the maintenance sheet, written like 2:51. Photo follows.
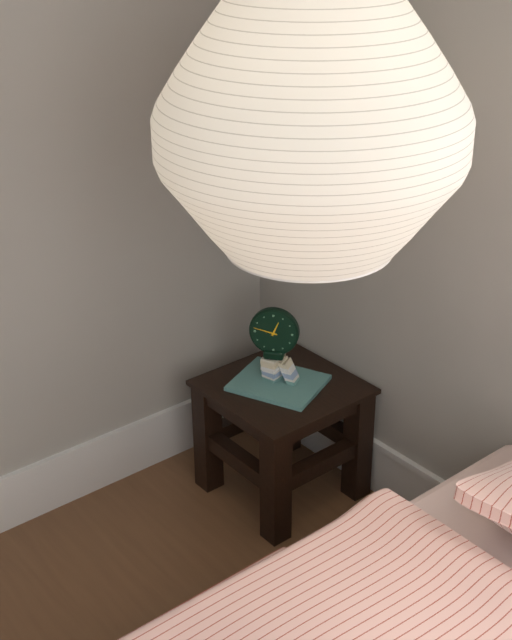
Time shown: 12:47
